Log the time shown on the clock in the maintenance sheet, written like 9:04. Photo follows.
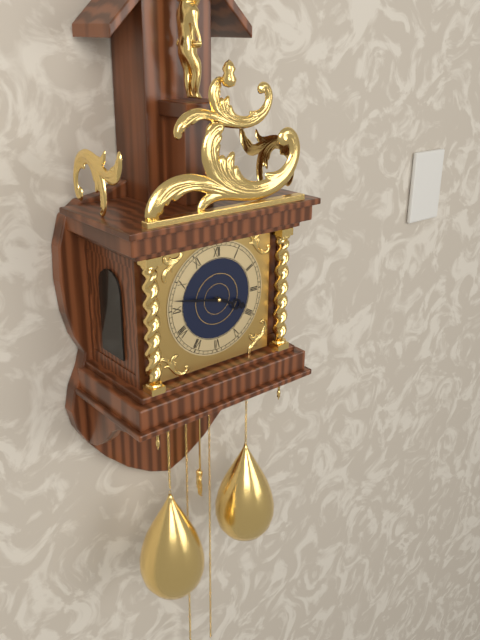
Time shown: 3:47
